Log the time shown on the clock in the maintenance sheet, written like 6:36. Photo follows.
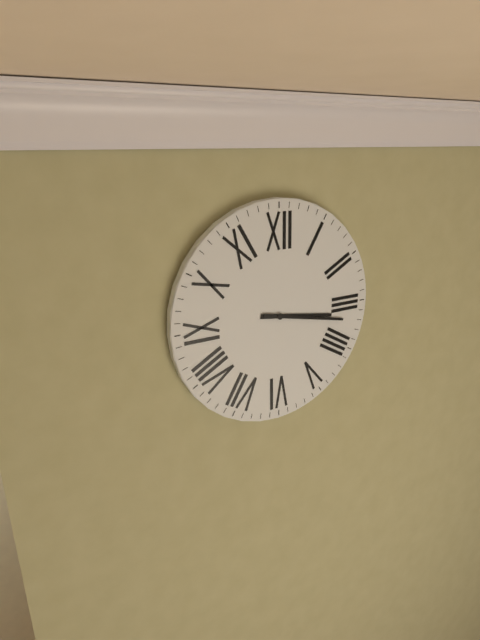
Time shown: 3:17
